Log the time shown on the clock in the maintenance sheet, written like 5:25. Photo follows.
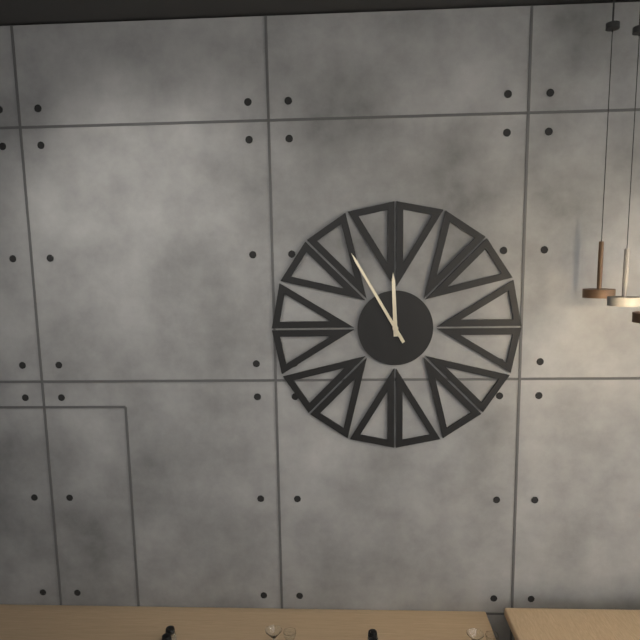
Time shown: 11:55
